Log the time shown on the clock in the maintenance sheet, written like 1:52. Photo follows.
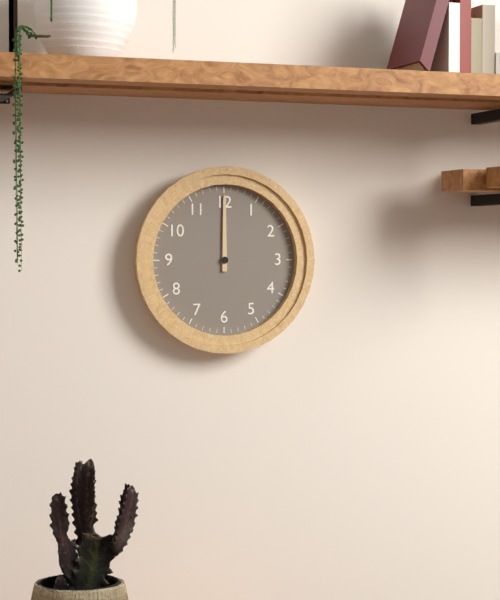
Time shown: 12:00
